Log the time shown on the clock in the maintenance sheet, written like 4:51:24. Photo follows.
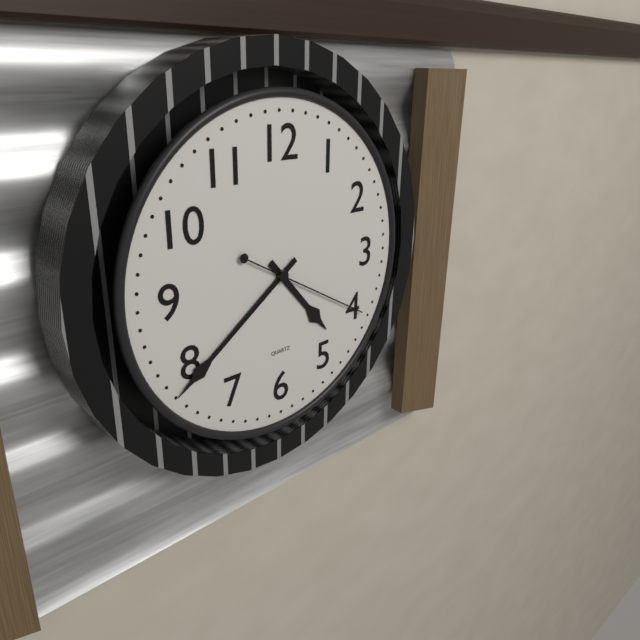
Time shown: 4:39:20
